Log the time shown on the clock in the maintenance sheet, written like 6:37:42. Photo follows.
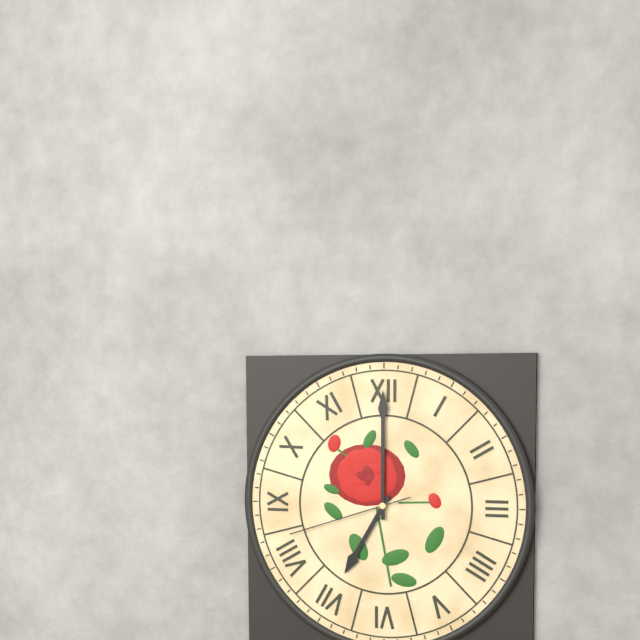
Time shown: 7:00:42
